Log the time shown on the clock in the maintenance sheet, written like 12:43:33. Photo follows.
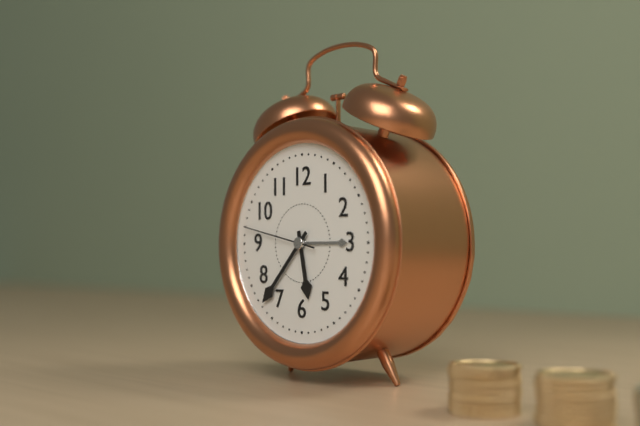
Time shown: 5:37:47
